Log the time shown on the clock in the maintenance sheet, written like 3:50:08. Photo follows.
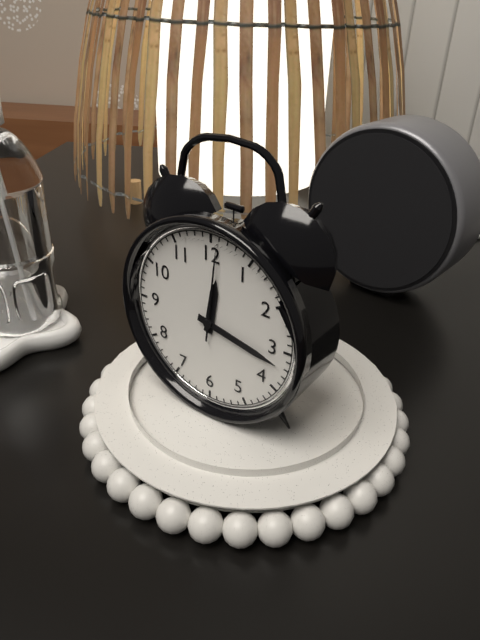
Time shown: 12:17:01
